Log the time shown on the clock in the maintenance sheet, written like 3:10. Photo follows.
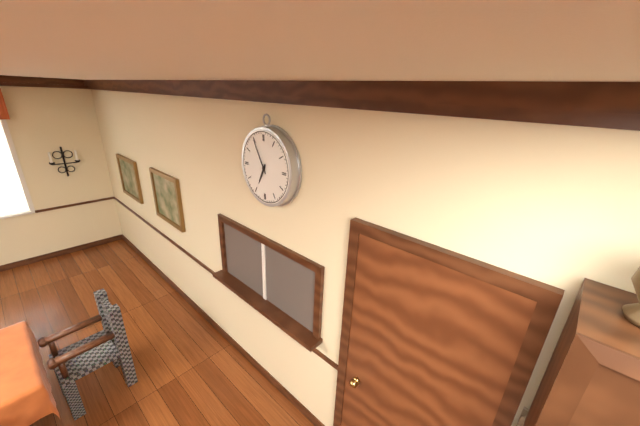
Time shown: 6:55
